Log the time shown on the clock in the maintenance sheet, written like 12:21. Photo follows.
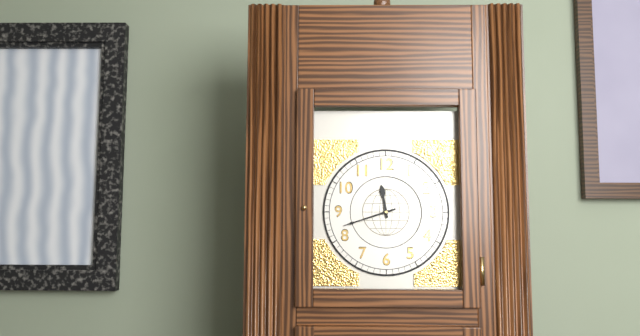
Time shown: 11:42
